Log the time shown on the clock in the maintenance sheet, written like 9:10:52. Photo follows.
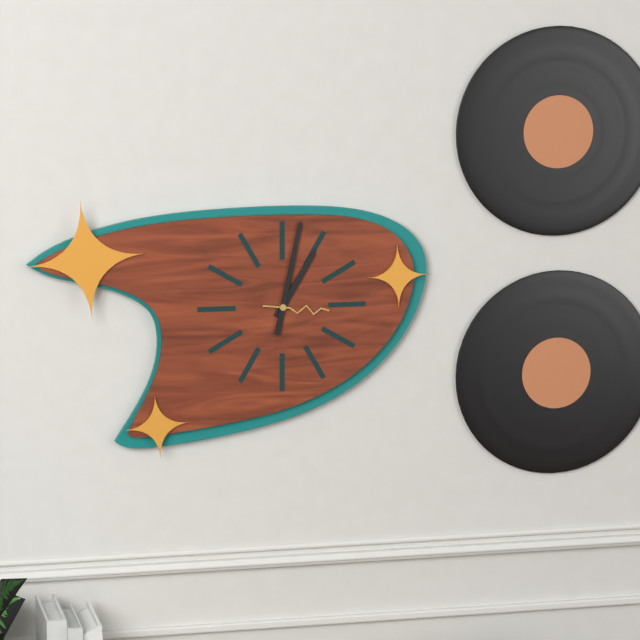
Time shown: 1:02:16
